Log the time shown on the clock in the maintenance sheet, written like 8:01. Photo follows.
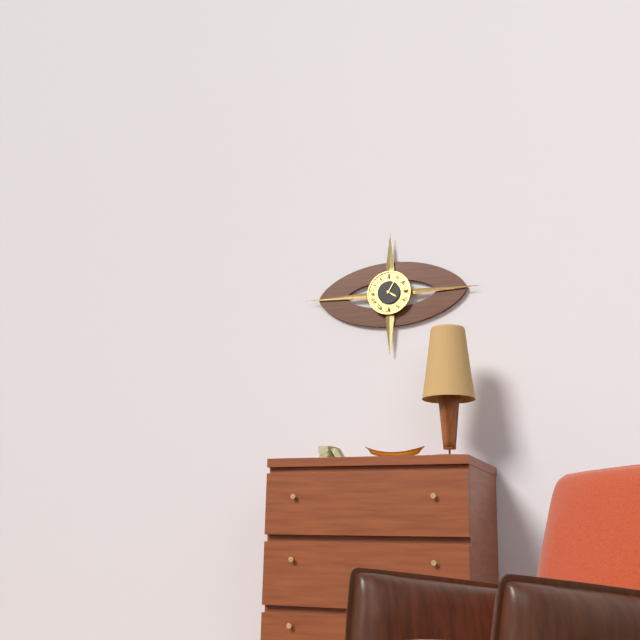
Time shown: 4:05
